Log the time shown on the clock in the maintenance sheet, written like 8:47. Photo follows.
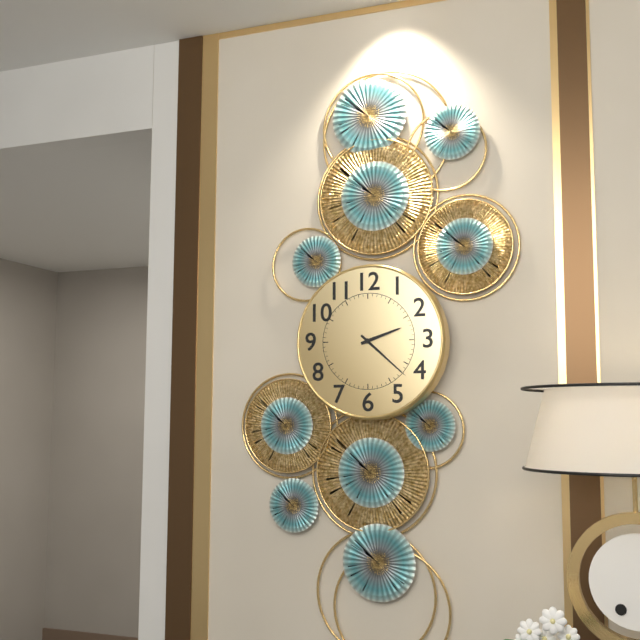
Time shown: 2:22
